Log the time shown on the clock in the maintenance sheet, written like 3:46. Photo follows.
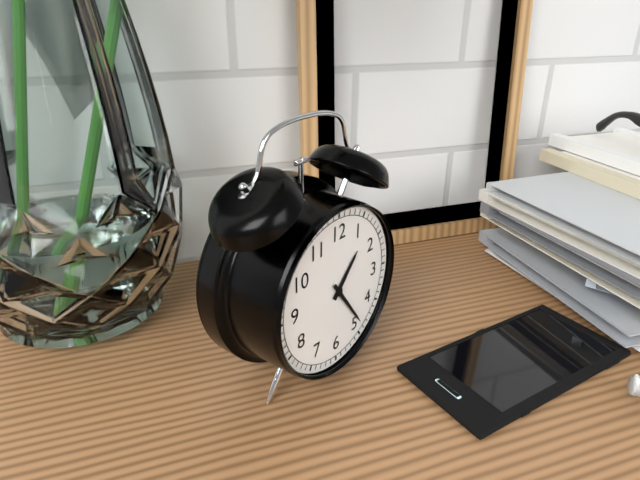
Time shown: 1:24
